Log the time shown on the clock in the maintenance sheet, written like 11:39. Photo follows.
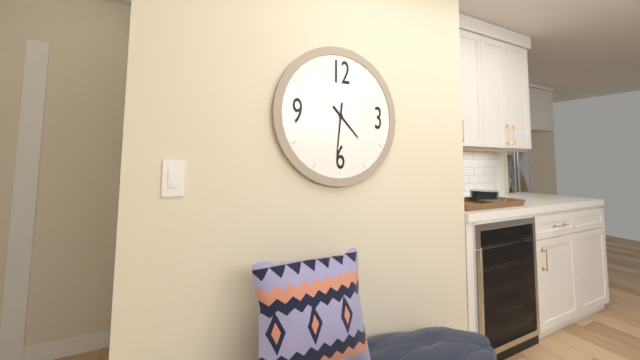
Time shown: 4:31
